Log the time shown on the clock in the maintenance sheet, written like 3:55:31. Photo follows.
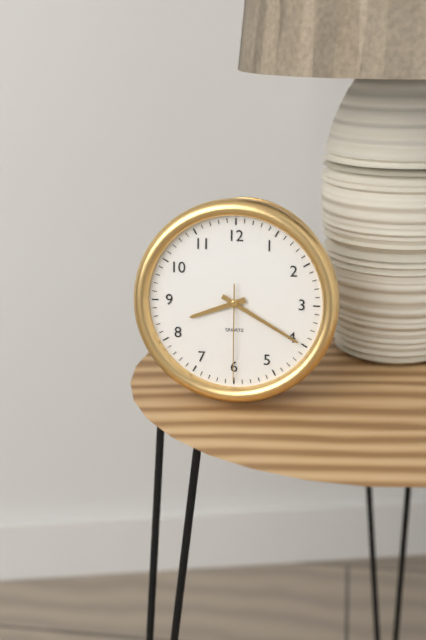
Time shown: 8:20:30
